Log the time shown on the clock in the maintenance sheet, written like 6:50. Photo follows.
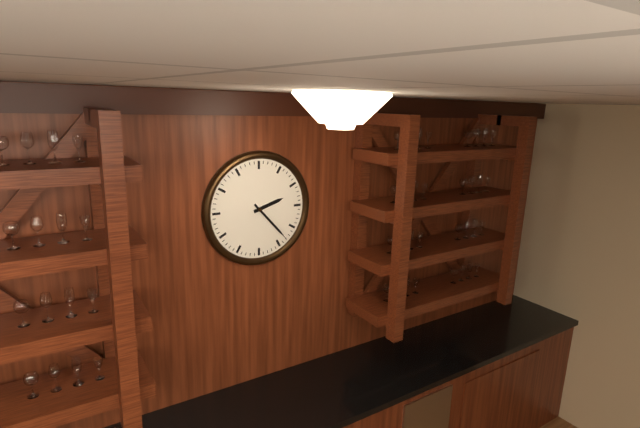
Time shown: 2:23
